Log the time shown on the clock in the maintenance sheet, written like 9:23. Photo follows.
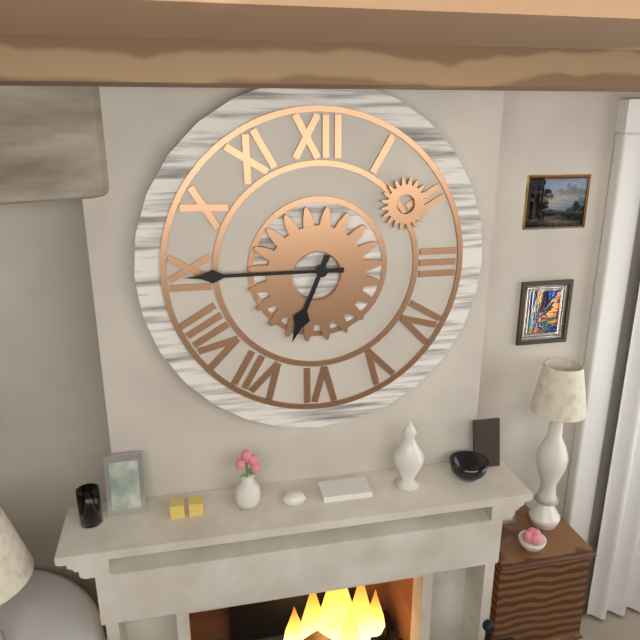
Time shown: 6:45
